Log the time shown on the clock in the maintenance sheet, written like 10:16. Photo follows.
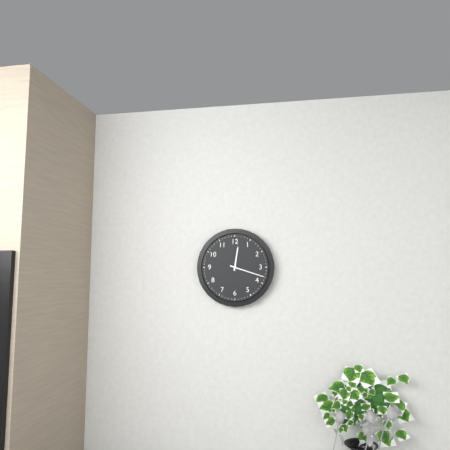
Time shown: 12:18
